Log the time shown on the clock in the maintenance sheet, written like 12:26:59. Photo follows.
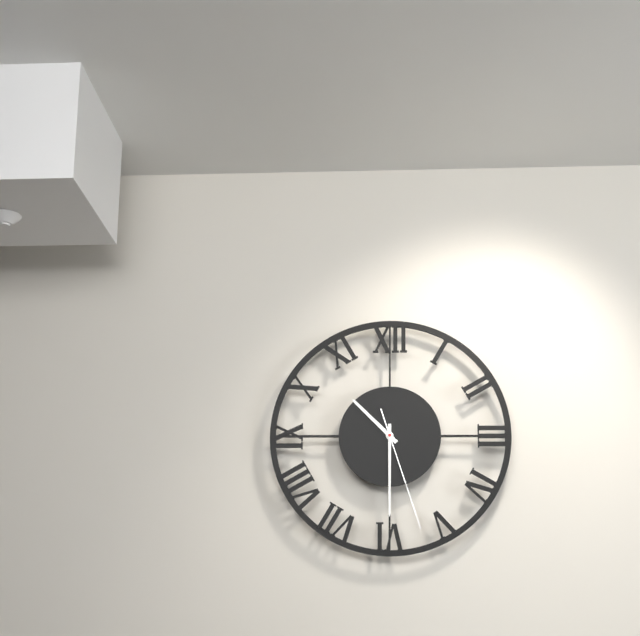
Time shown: 10:30:27
